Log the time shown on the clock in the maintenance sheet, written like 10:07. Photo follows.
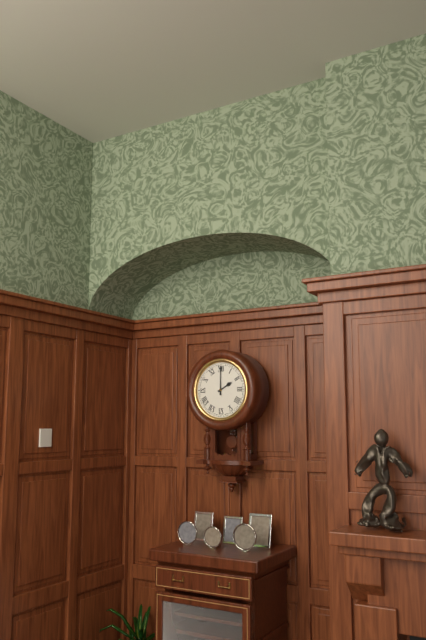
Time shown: 2:00
